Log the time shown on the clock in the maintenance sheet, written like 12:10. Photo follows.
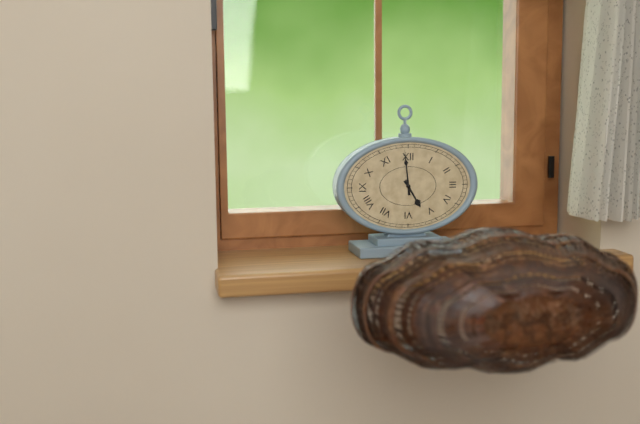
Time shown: 4:59
